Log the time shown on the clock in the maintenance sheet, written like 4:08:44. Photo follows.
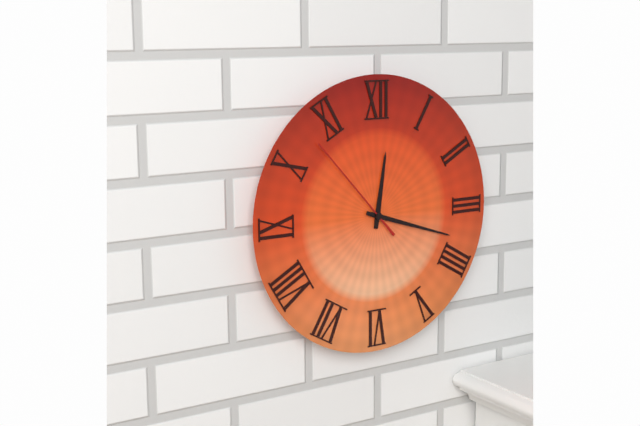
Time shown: 12:18:53
